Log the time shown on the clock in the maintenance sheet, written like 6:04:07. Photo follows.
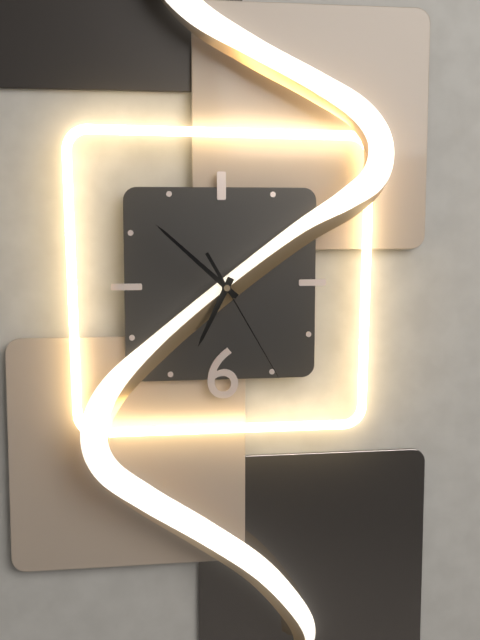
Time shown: 6:52:25
